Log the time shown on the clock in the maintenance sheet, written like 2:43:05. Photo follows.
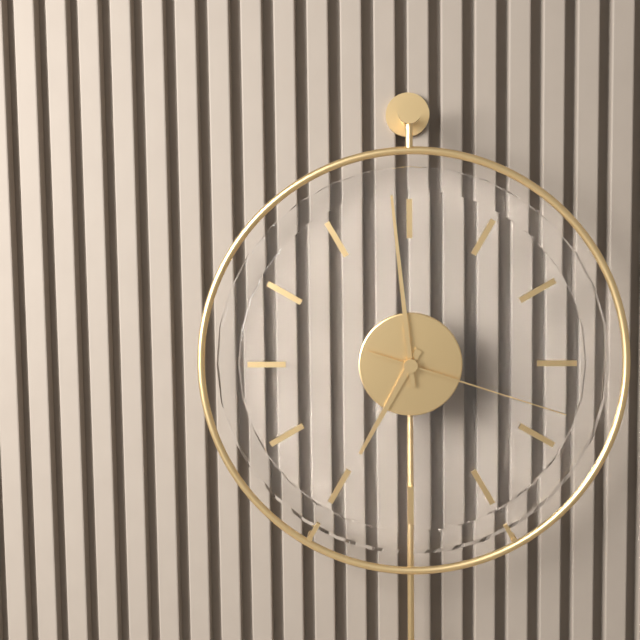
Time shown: 6:59:18
